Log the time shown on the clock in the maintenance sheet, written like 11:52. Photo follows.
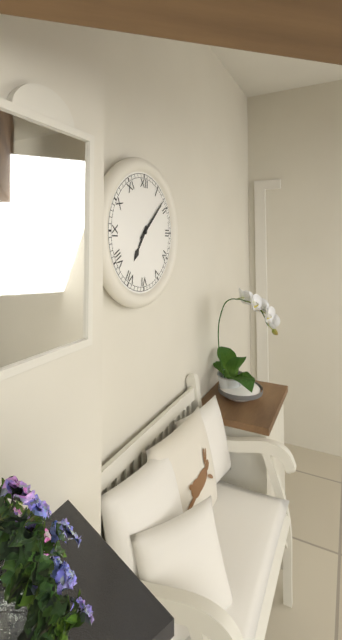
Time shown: 7:08
